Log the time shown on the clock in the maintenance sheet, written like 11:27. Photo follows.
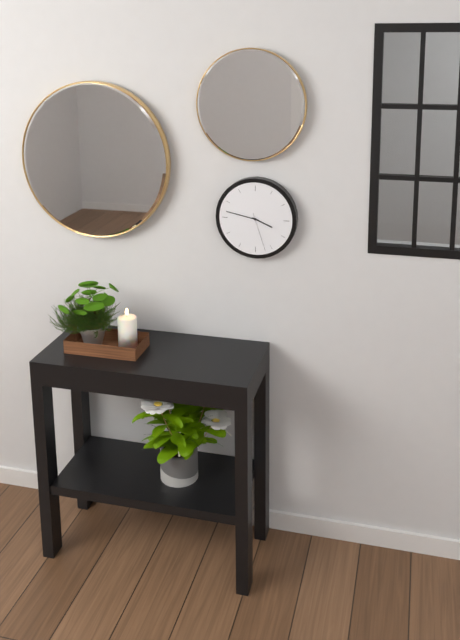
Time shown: 3:47
